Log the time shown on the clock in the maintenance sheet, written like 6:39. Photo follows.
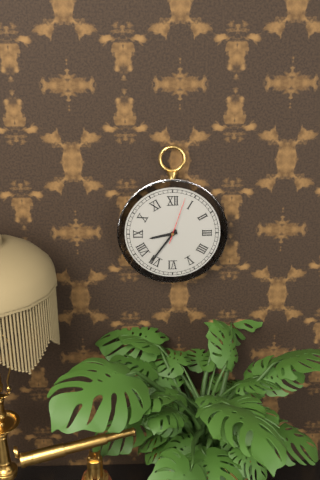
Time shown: 8:36
